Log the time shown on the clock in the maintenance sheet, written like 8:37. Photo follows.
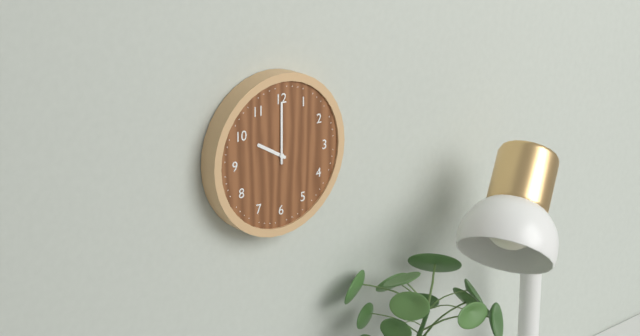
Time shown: 10:00
